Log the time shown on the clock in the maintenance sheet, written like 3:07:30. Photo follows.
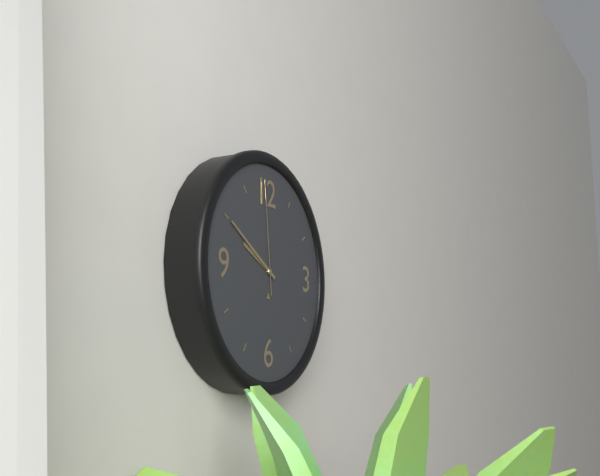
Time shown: 9:50:59
